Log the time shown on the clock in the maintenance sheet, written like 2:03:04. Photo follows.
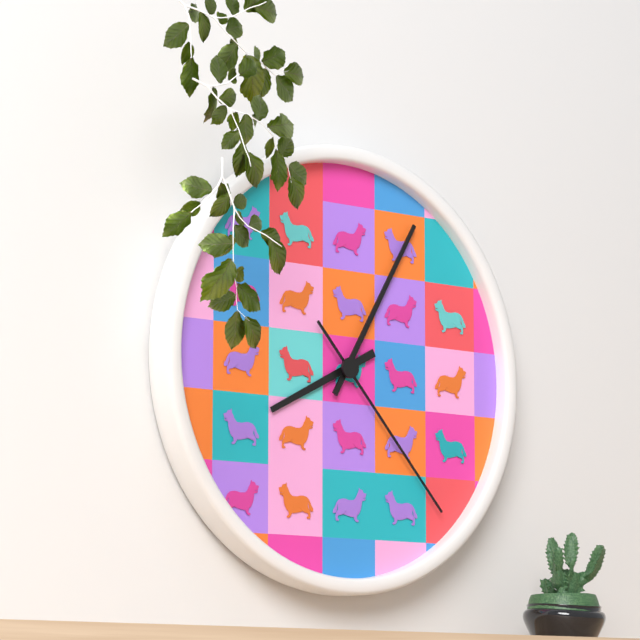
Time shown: 8:05:23
